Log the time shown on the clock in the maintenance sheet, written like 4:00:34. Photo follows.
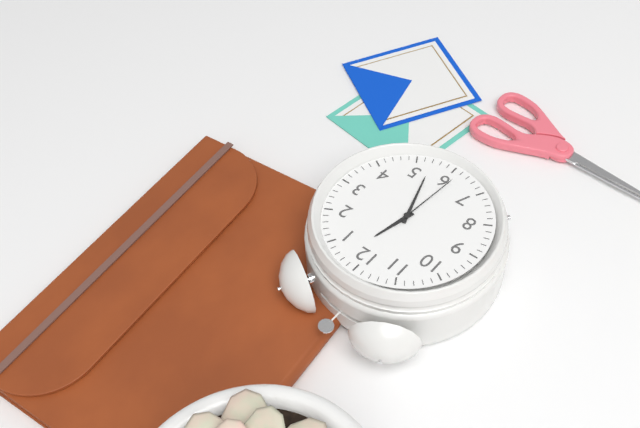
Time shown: 12:27:31
